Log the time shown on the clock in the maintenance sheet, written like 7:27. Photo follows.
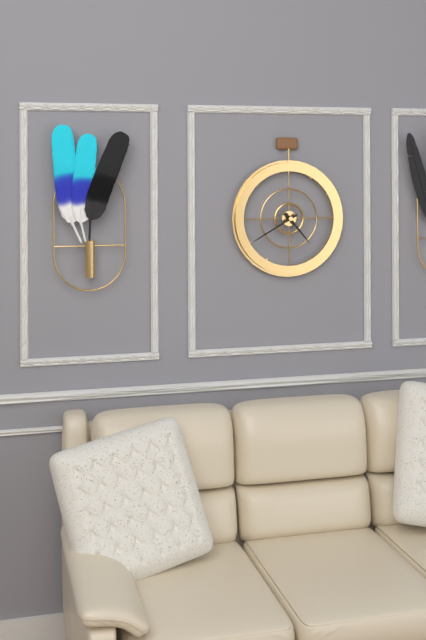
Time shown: 4:40
